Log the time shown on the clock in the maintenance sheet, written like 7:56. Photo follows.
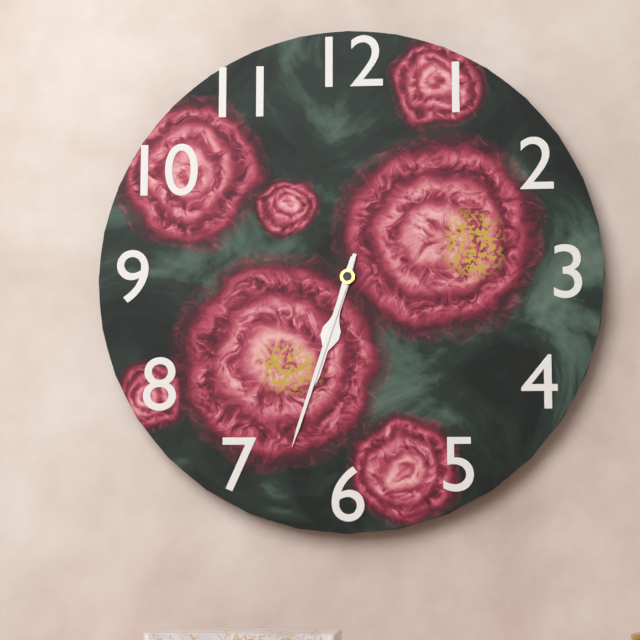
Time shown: 6:33
